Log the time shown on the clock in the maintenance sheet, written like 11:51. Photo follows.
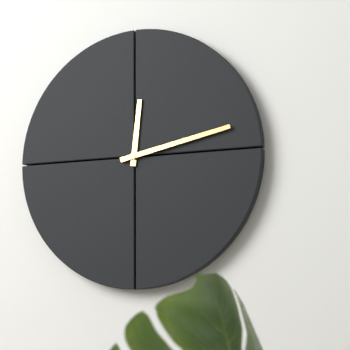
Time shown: 12:13
